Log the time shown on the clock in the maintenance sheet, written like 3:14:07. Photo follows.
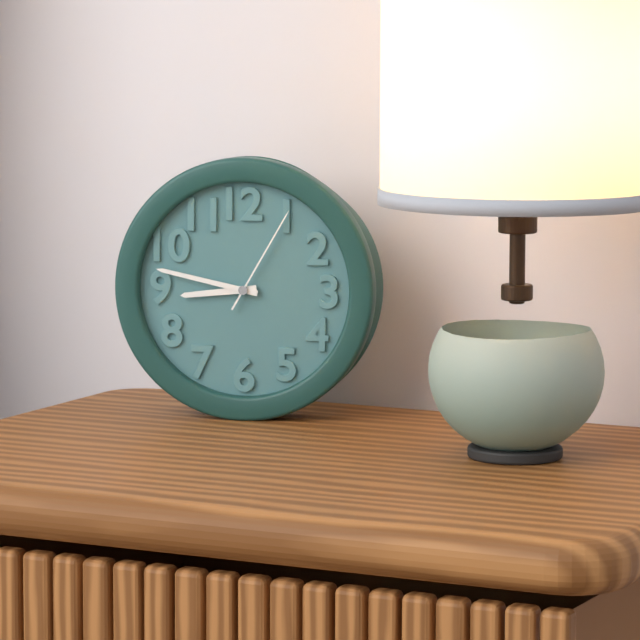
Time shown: 8:47:05
